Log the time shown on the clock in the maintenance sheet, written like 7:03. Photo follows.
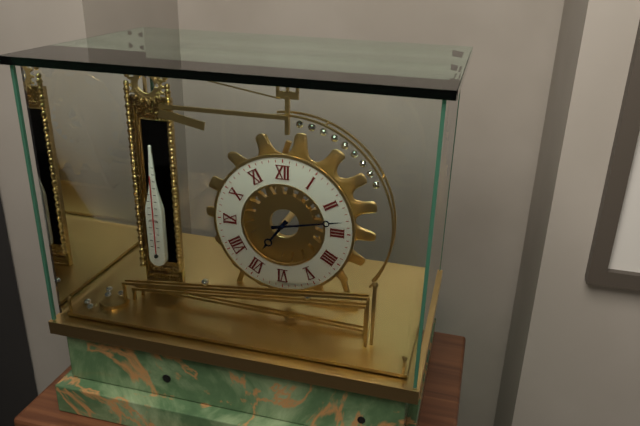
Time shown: 7:13
